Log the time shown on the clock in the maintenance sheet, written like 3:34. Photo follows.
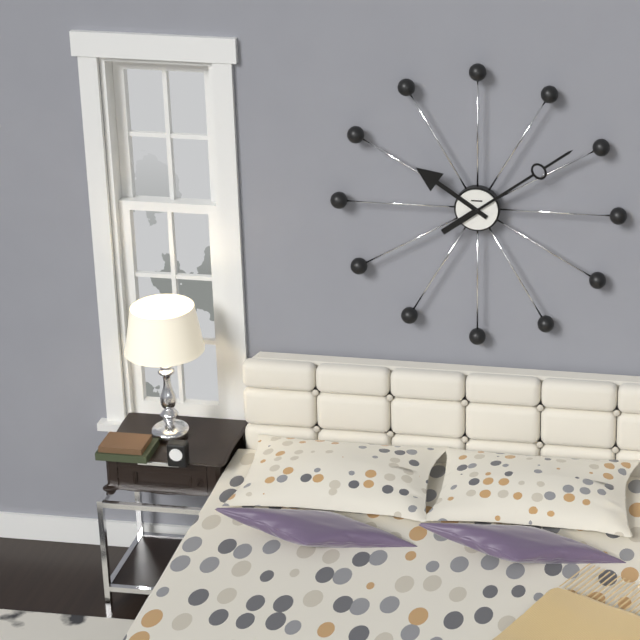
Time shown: 10:09
